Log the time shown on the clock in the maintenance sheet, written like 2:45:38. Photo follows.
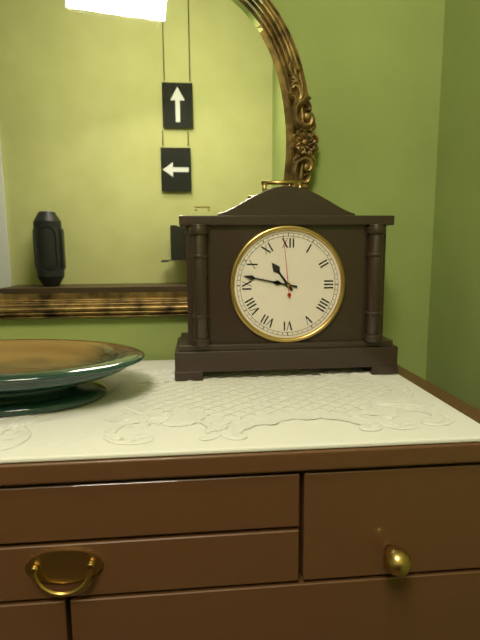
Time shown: 10:47:59
